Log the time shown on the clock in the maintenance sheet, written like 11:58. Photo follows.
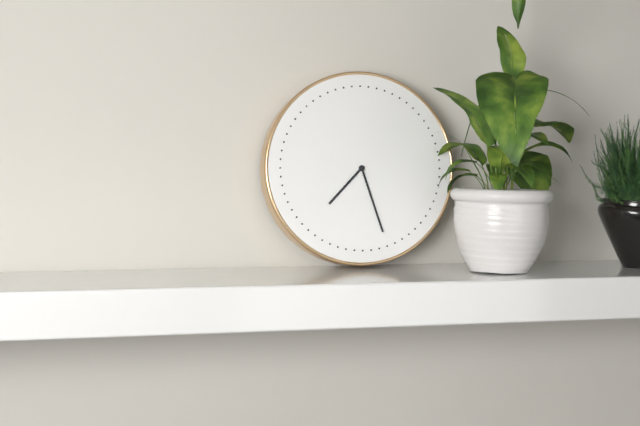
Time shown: 7:27
